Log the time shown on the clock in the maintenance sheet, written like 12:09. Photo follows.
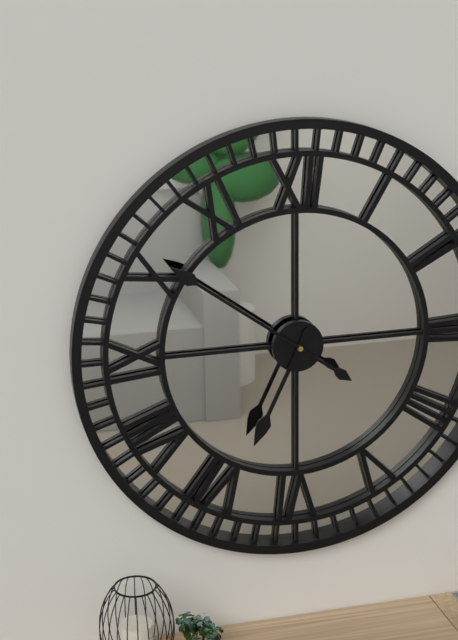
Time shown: 6:51
